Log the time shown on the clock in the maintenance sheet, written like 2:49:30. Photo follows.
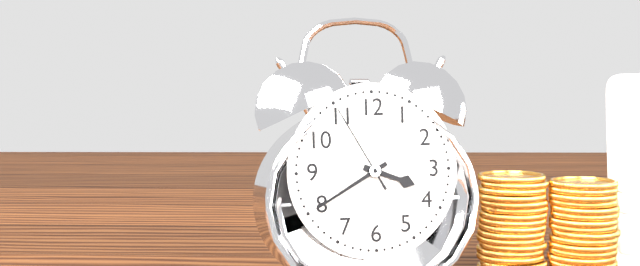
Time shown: 3:40:55
